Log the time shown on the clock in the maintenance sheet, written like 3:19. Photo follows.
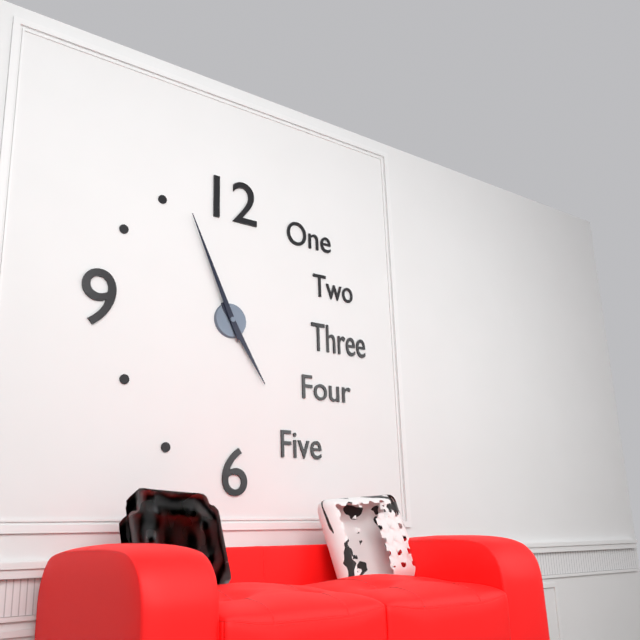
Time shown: 4:56
